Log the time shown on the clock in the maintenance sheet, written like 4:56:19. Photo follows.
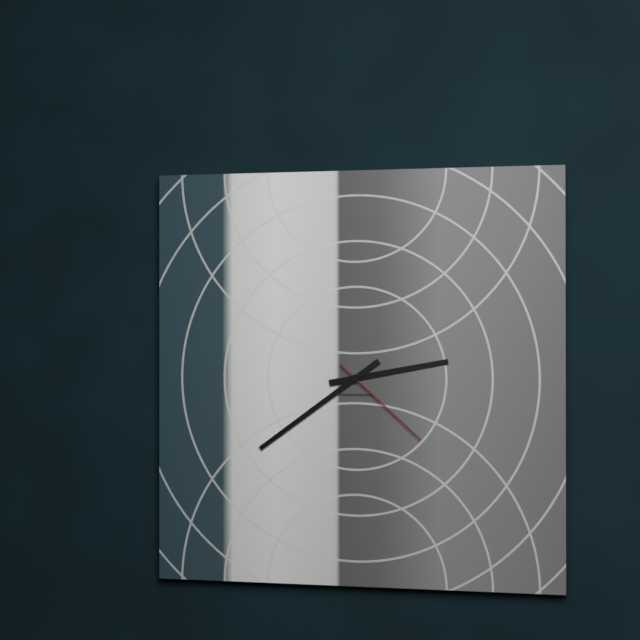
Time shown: 2:39:22
